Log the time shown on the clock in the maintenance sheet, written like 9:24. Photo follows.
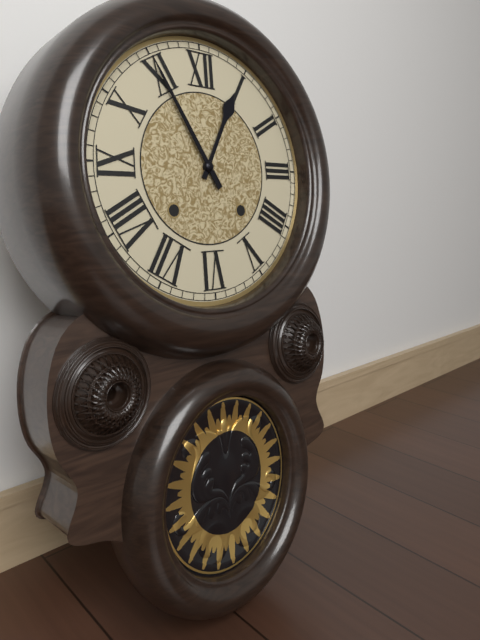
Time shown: 12:55
